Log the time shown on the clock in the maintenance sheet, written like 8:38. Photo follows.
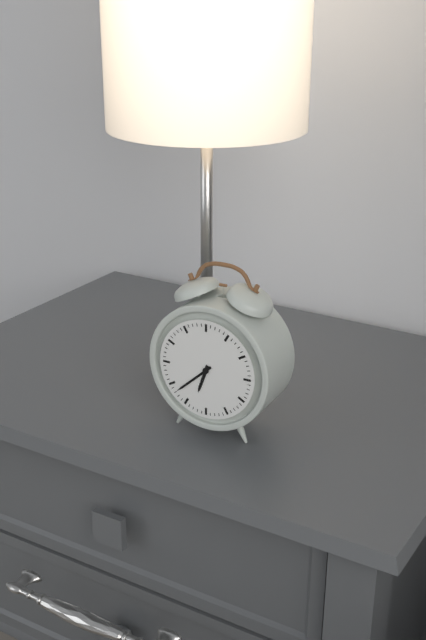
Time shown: 6:38
